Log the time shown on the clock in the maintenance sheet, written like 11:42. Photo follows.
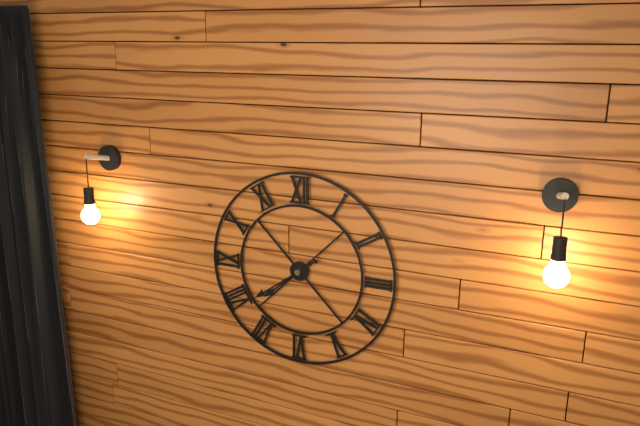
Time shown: 7:39
